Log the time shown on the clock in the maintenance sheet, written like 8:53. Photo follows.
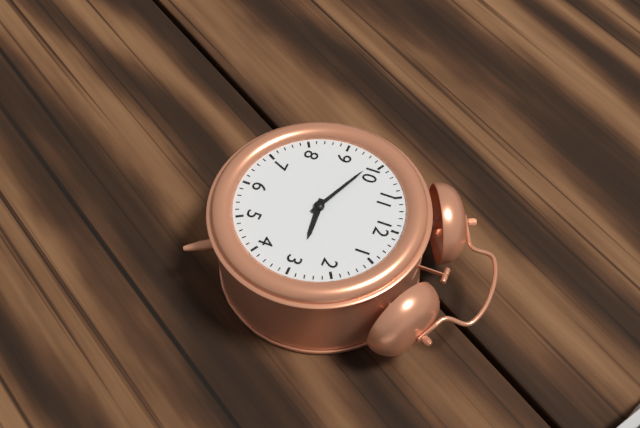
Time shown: 2:49
